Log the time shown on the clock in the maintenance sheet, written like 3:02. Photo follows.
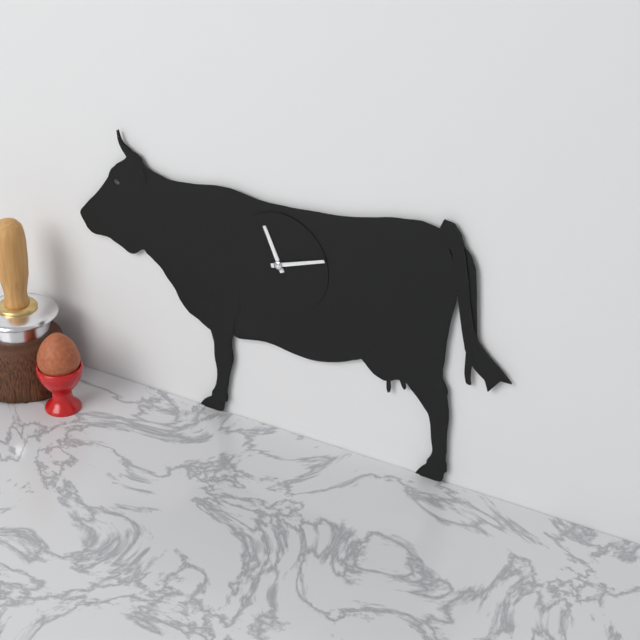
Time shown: 11:12
